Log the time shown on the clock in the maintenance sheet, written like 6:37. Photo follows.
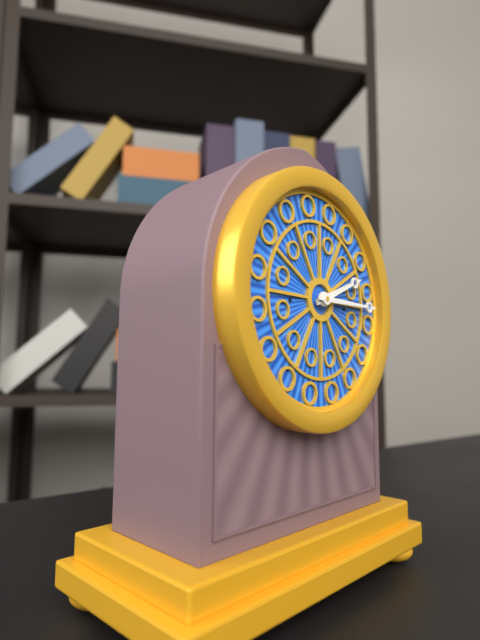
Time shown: 2:15
